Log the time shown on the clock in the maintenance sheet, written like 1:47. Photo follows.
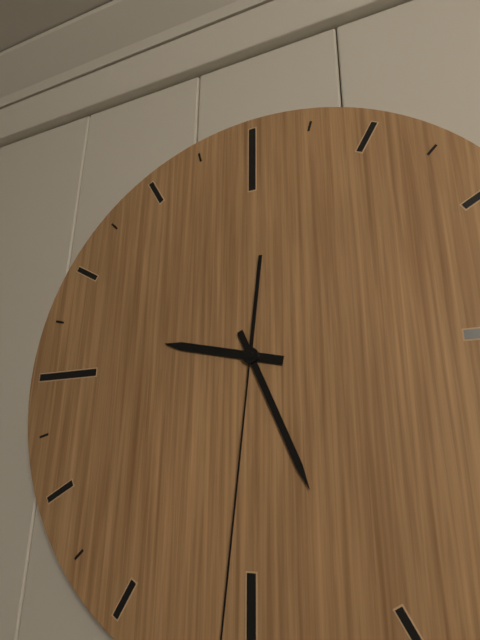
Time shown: 9:26
